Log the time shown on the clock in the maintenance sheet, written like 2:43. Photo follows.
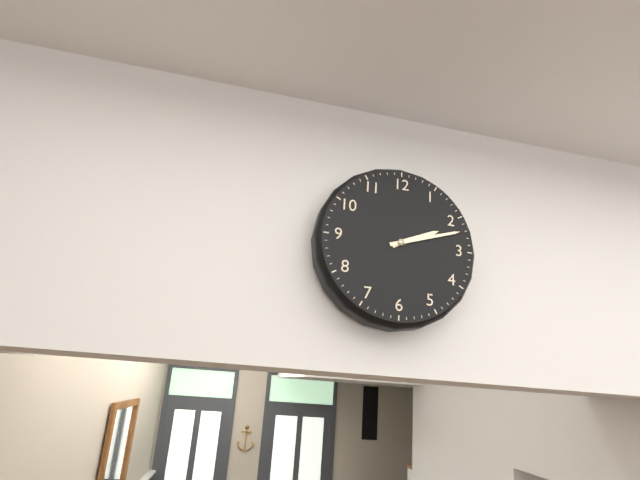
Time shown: 2:12
